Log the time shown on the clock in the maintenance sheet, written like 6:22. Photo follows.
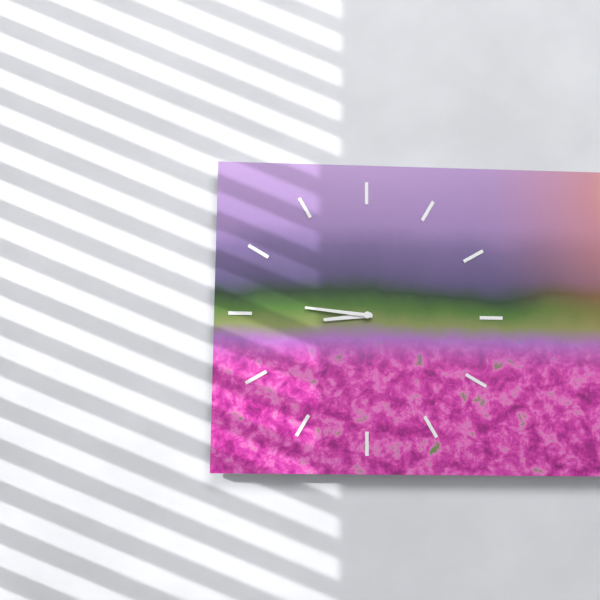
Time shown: 8:46
